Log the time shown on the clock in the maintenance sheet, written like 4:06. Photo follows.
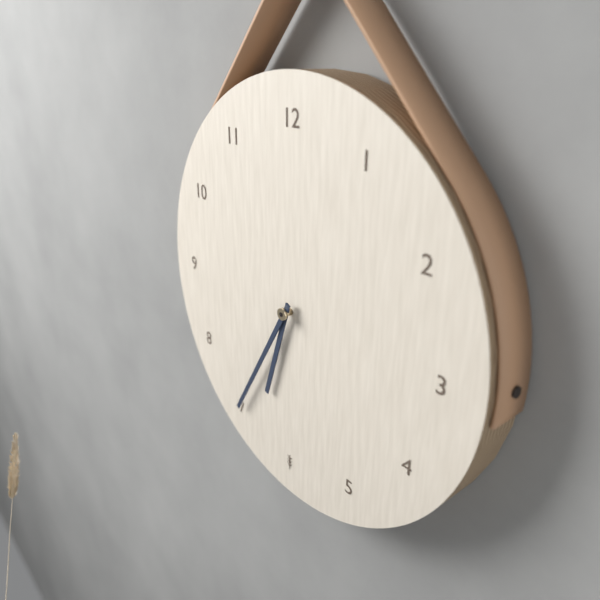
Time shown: 6:35
